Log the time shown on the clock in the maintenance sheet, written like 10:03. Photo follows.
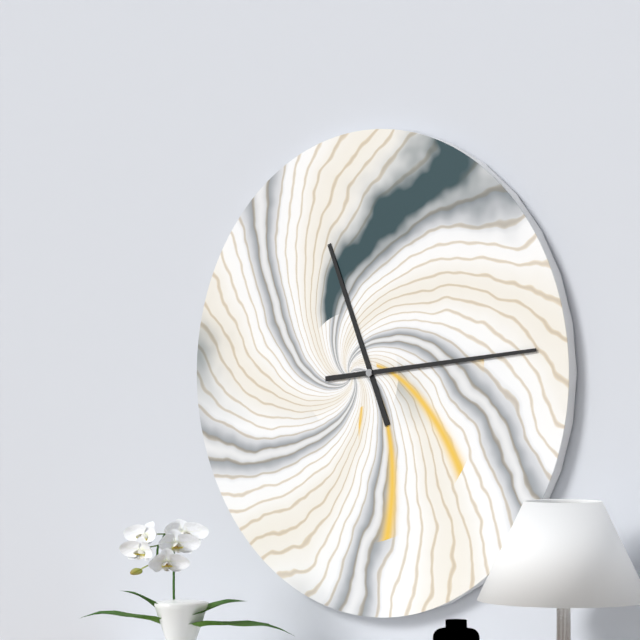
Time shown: 11:14
